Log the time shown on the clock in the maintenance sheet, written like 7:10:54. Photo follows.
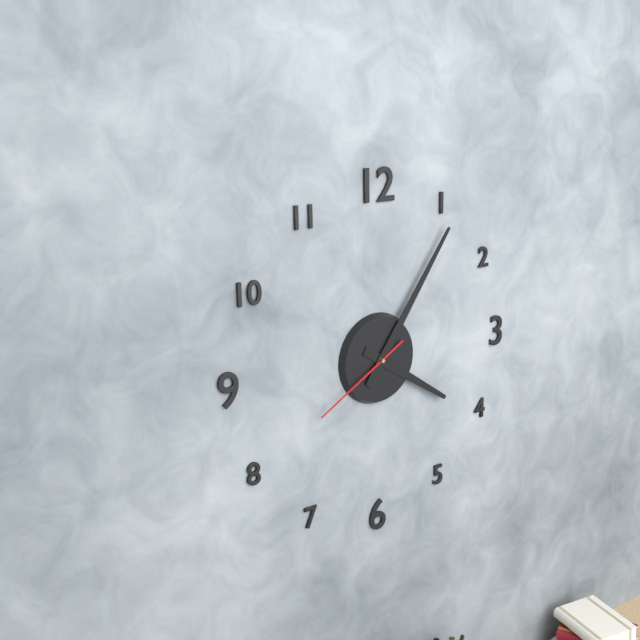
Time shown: 4:06:40
